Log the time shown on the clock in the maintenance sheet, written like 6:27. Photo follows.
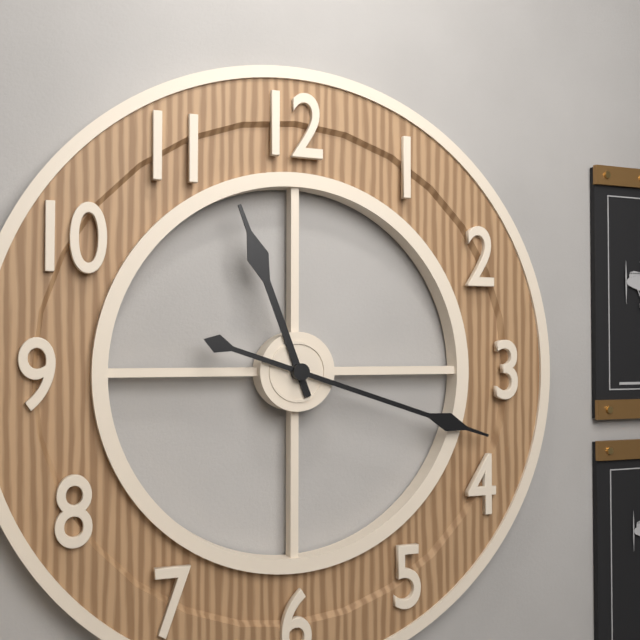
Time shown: 11:18
